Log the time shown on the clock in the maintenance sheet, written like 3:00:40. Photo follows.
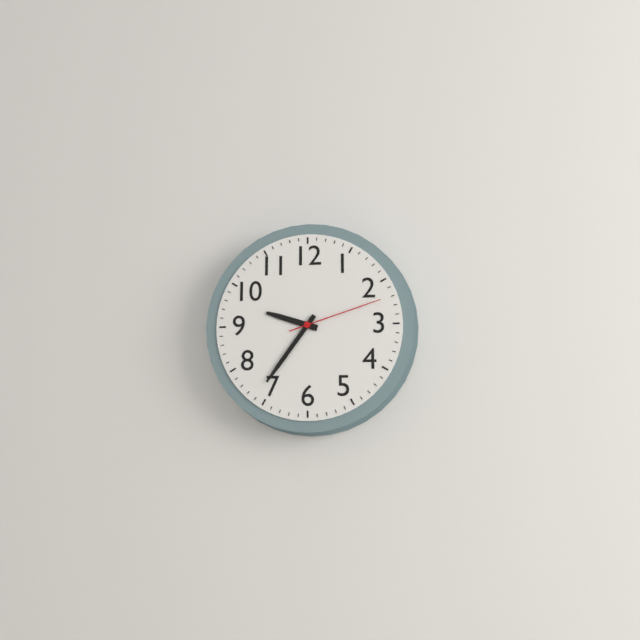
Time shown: 9:36:12
